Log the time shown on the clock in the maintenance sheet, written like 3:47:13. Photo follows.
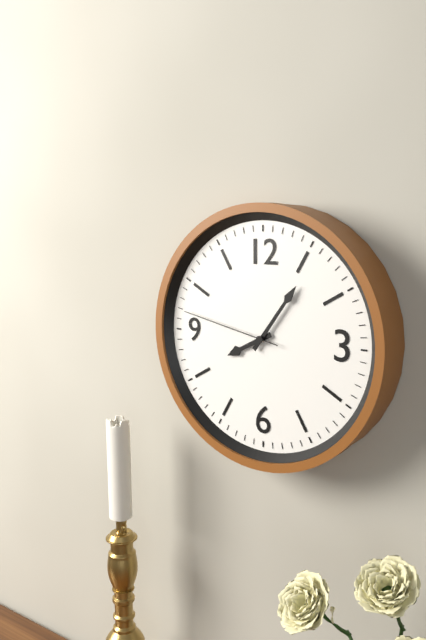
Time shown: 8:06:47
